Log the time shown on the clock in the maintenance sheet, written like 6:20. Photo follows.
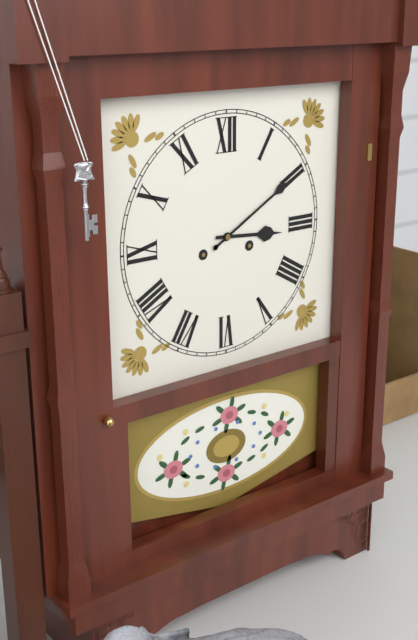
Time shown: 3:10
